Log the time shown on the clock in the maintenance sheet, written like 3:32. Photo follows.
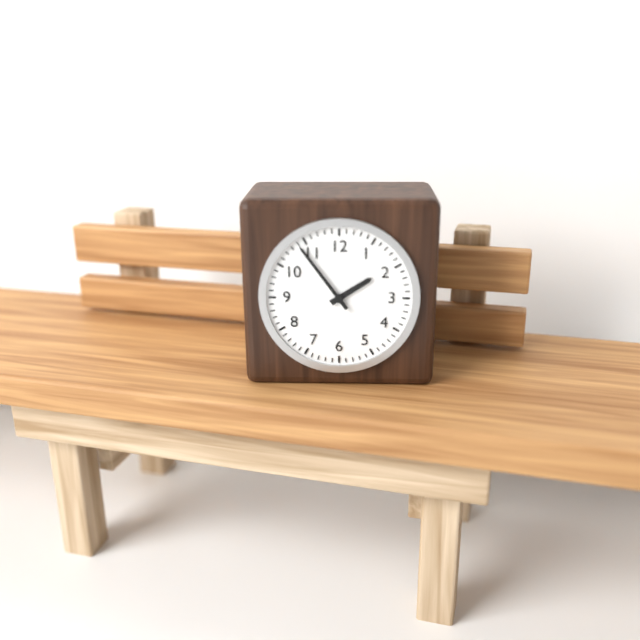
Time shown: 1:54
